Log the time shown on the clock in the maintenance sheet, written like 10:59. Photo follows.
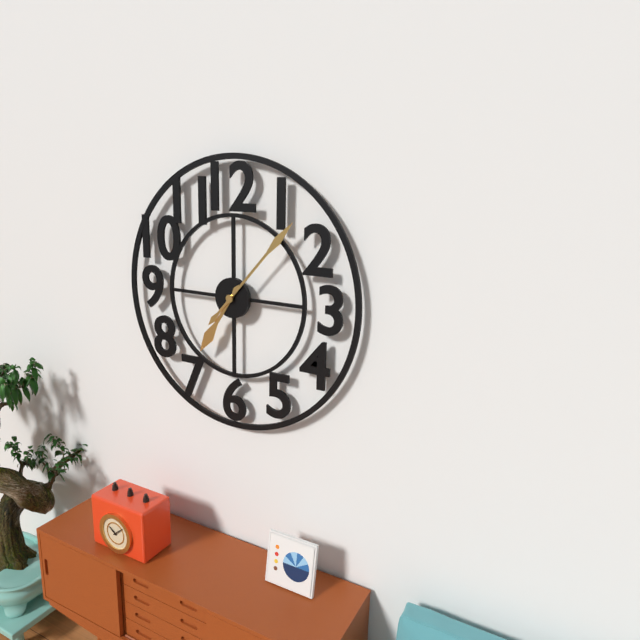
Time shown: 7:07
